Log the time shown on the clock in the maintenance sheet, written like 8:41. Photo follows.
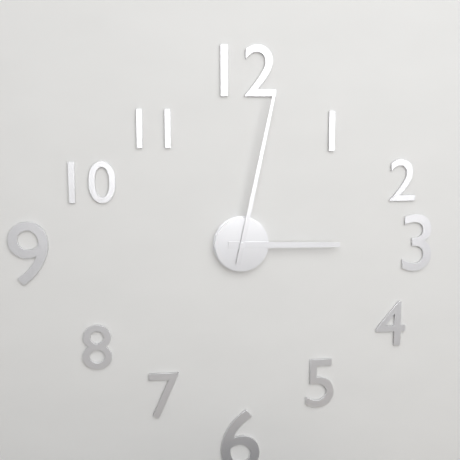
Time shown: 3:02
